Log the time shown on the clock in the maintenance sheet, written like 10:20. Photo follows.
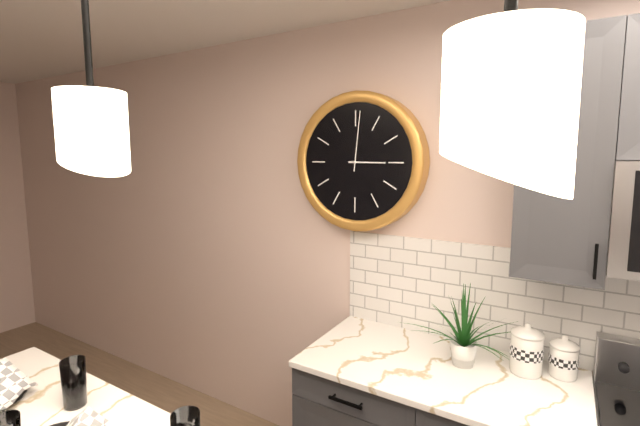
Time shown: 3:01
